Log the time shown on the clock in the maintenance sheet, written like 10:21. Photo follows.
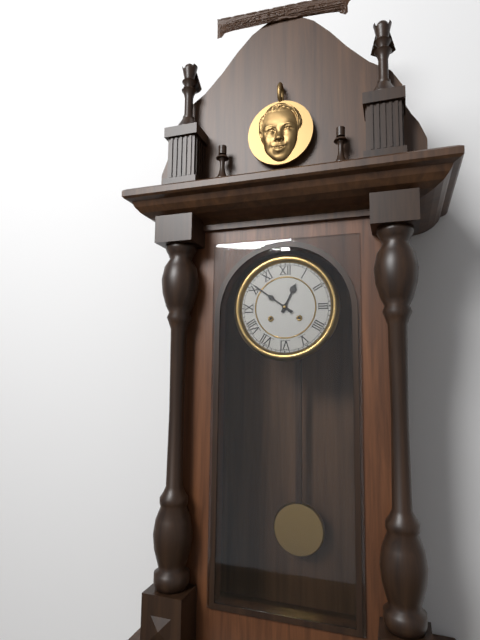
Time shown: 12:51
